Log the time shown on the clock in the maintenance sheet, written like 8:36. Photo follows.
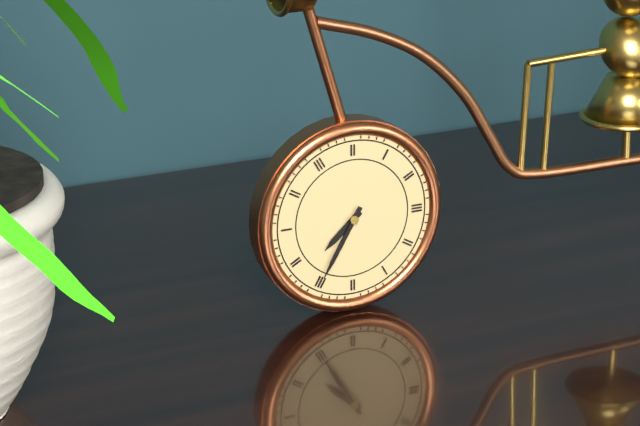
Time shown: 7:35
